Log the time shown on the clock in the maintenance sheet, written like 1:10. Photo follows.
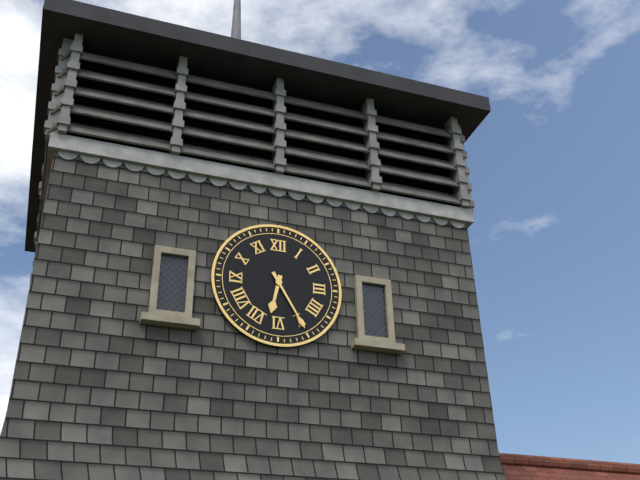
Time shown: 6:25
